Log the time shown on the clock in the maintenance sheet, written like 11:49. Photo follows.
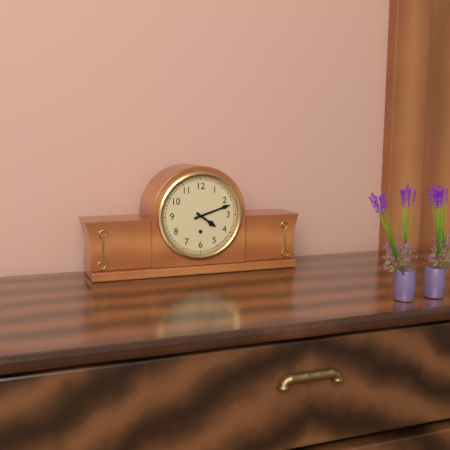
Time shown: 4:12
